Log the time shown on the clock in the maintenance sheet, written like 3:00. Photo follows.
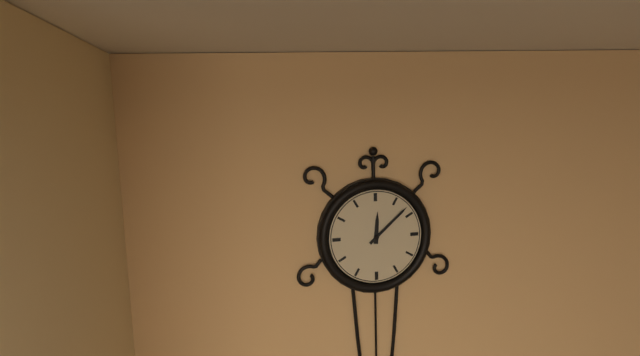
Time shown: 12:08
